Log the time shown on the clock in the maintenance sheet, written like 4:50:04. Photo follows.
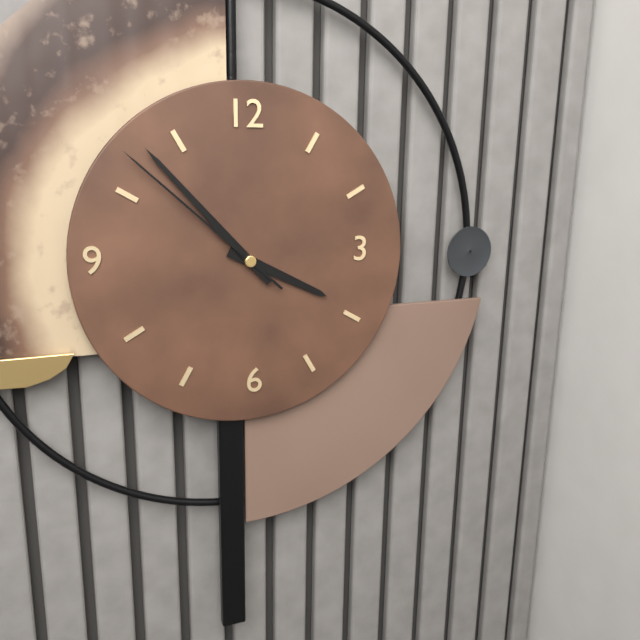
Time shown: 3:53:52
